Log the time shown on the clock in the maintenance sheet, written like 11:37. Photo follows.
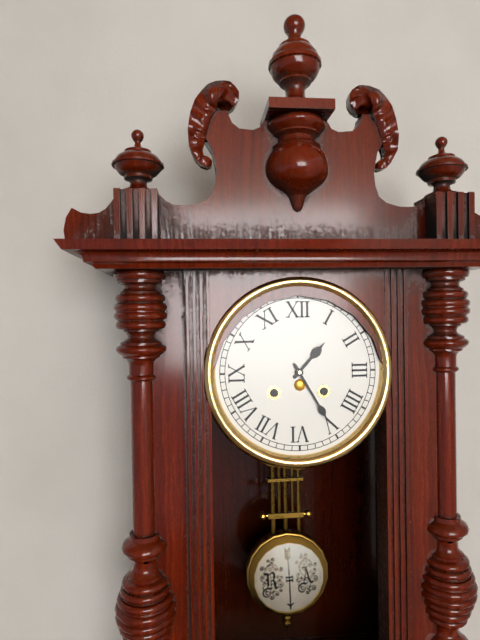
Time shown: 1:25
